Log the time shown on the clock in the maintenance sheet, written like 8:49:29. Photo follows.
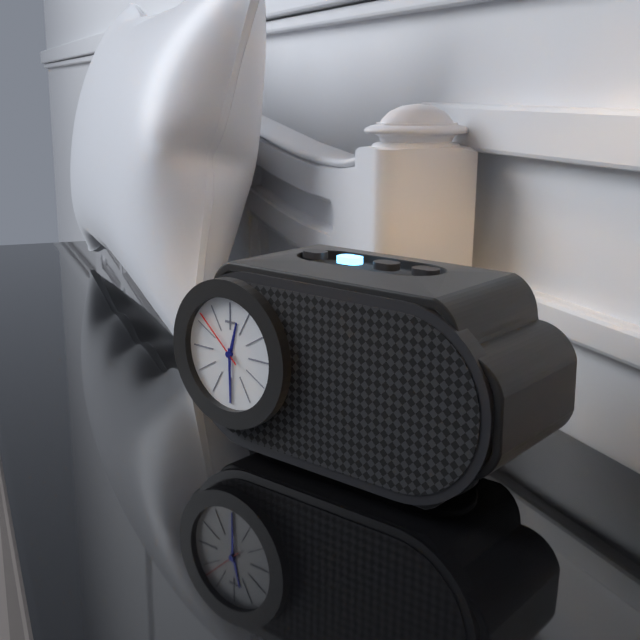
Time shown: 12:30:52
